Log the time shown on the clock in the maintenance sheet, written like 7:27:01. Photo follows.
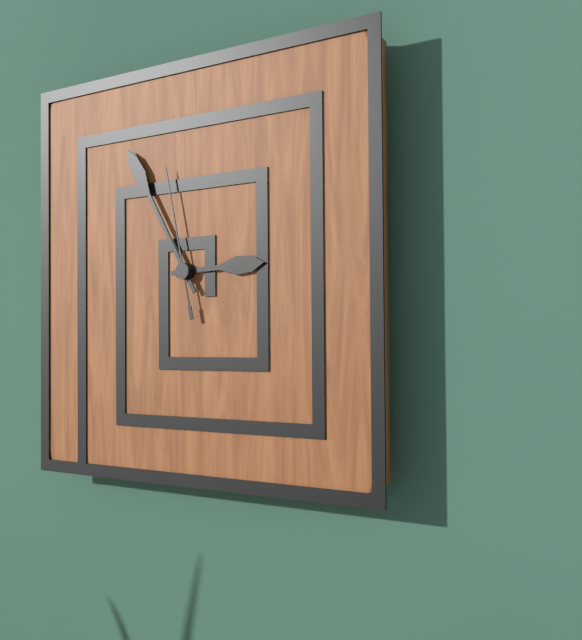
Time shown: 2:55:58
